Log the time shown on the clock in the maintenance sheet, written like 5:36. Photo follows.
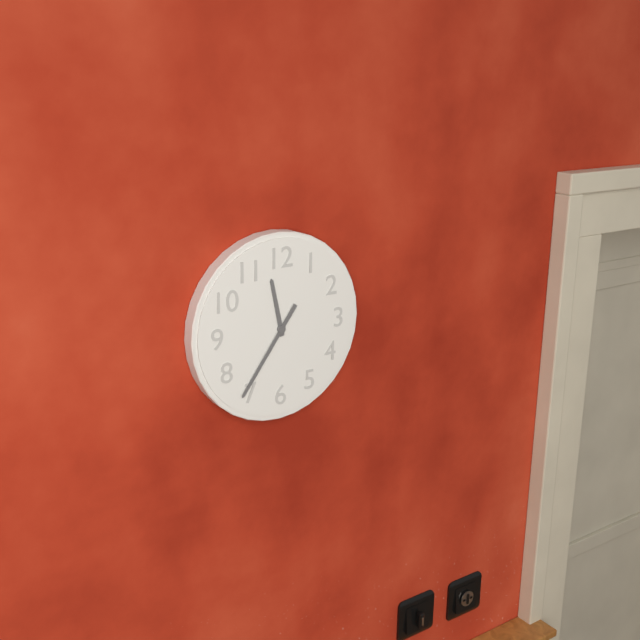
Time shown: 11:36
